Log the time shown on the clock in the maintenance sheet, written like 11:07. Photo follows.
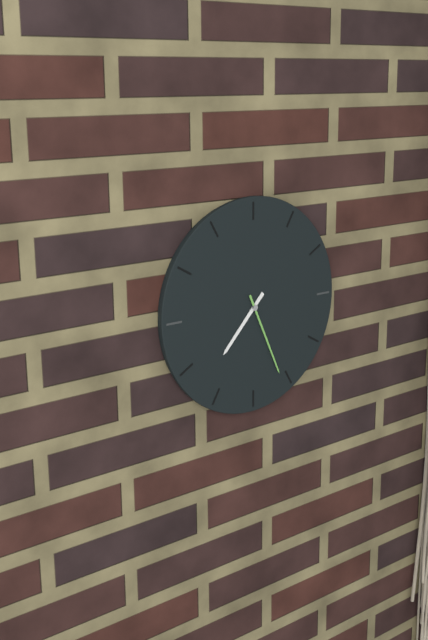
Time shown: 7:26
